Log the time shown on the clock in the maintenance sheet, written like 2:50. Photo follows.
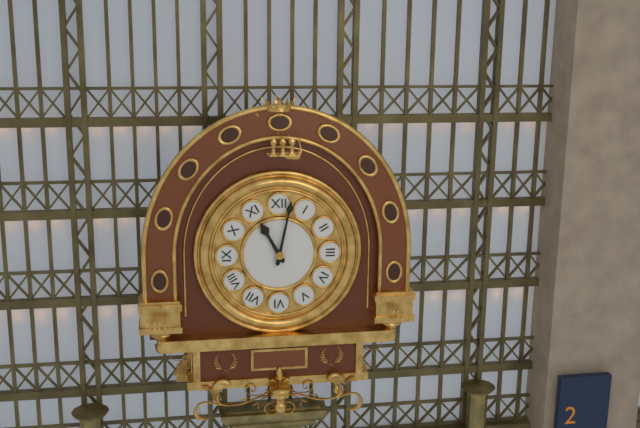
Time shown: 11:02
